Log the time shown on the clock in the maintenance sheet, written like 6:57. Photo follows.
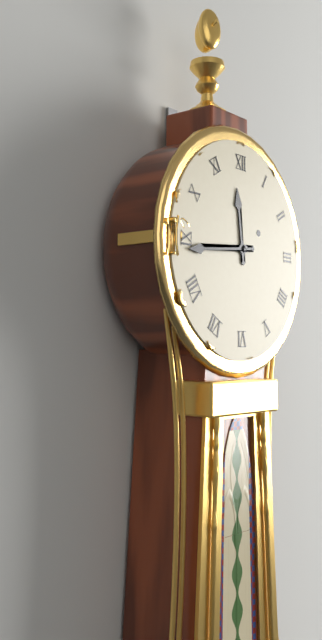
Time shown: 11:44
